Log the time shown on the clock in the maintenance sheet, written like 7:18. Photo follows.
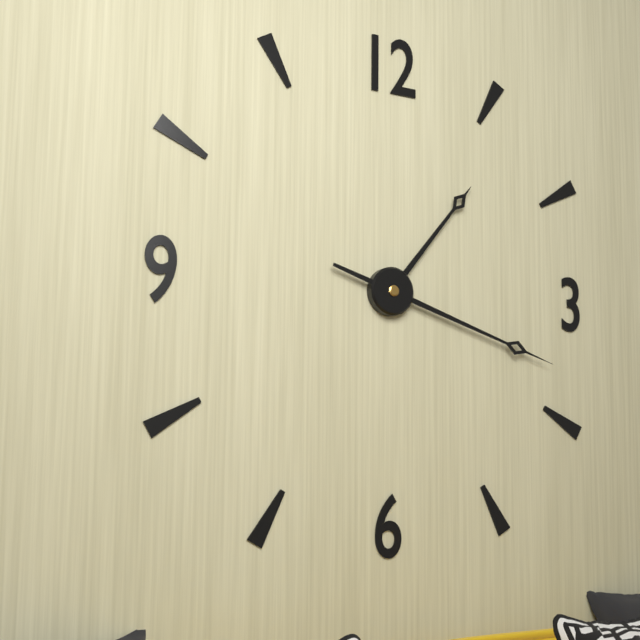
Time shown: 1:18
